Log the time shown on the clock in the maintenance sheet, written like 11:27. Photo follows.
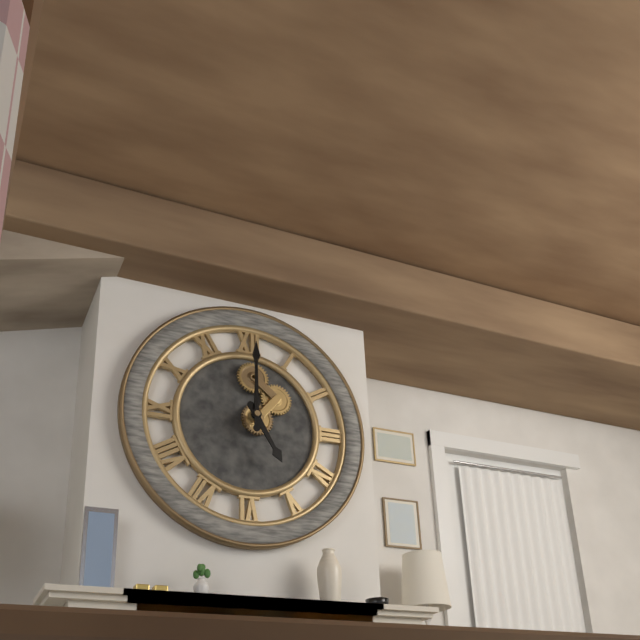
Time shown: 5:00
